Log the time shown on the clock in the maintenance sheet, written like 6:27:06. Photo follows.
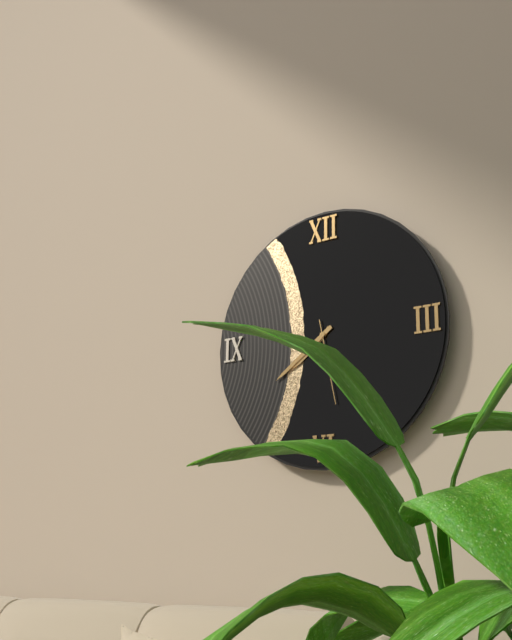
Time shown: 7:39:28
